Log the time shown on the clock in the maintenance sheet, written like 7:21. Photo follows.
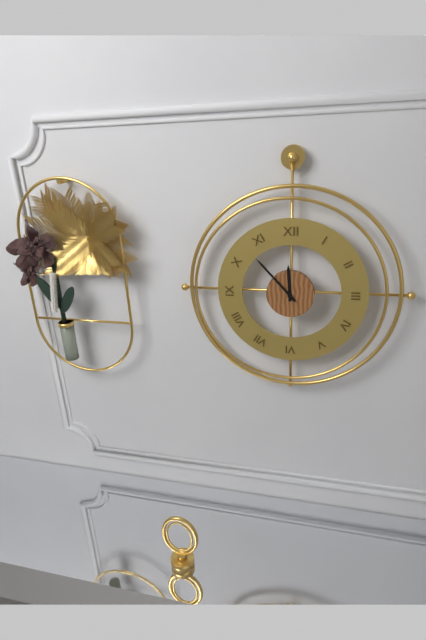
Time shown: 11:53
